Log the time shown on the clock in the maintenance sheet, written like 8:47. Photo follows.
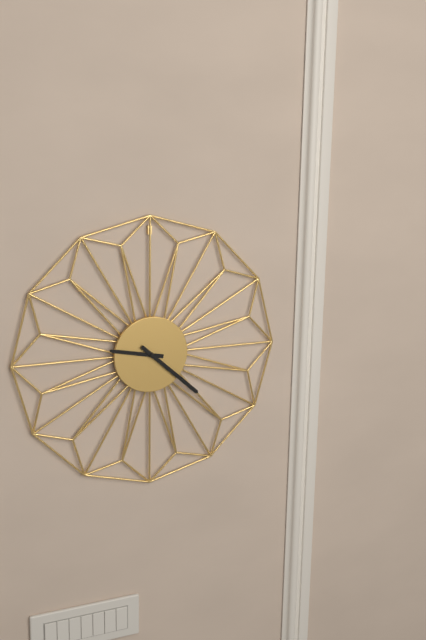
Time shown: 9:22
